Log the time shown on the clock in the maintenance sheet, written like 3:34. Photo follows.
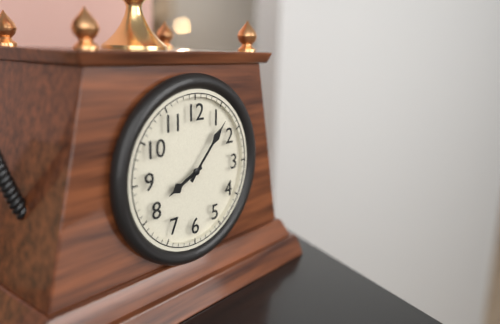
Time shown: 8:07
